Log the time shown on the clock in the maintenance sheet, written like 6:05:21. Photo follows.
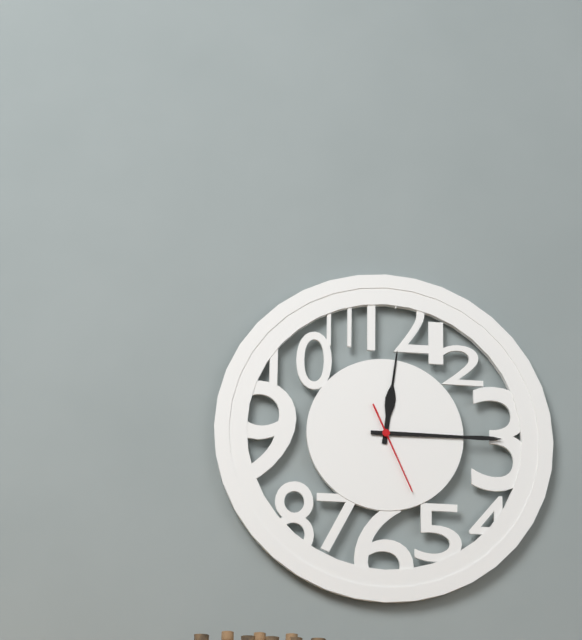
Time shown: 12:15:26
